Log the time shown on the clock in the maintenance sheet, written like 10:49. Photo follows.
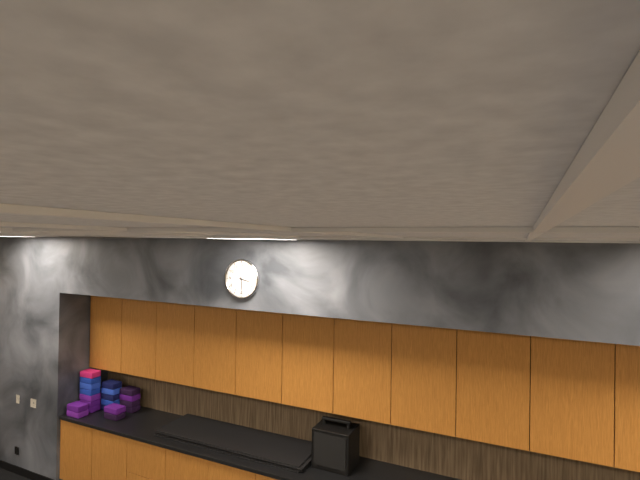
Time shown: 3:29
